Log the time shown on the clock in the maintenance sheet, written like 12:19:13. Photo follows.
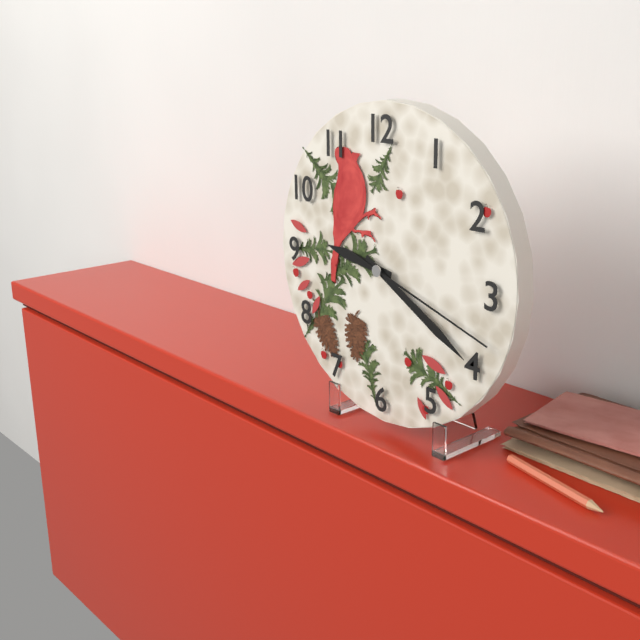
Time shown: 9:20:18
